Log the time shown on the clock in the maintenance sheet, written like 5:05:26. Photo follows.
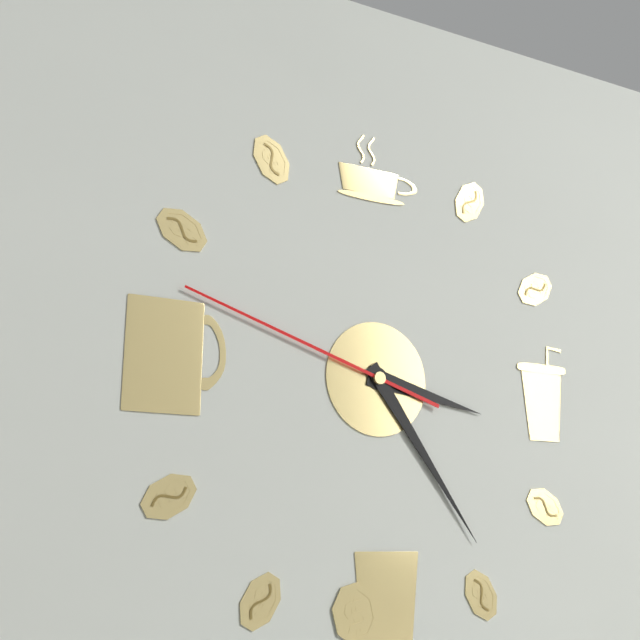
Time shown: 3:24:48
